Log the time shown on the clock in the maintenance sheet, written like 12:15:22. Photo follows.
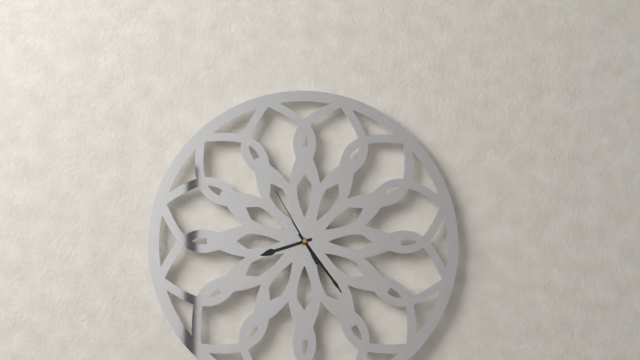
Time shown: 8:24:55
